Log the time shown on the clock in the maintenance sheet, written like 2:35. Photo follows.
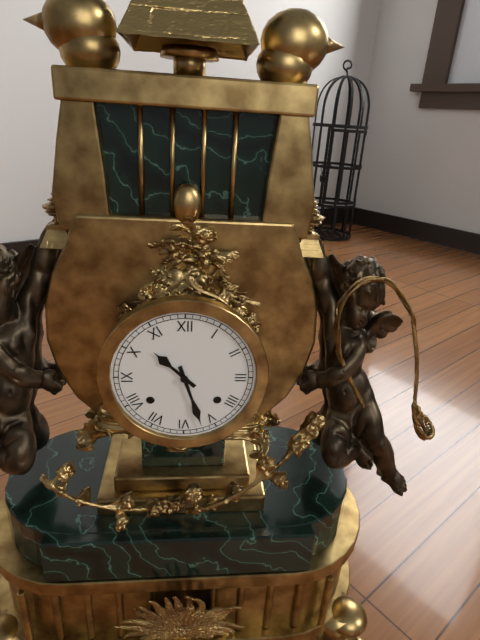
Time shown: 10:27
